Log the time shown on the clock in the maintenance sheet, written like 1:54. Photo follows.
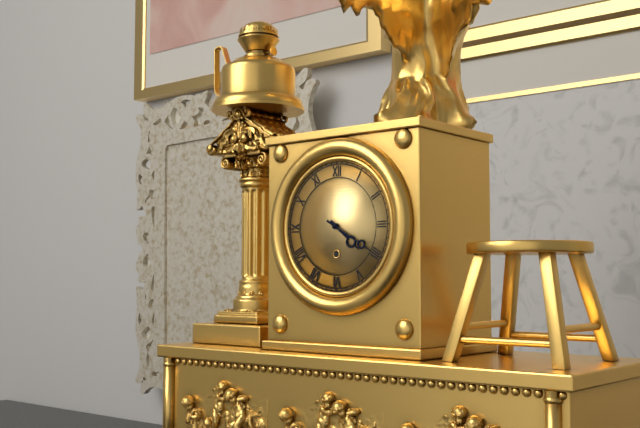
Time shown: 4:20
